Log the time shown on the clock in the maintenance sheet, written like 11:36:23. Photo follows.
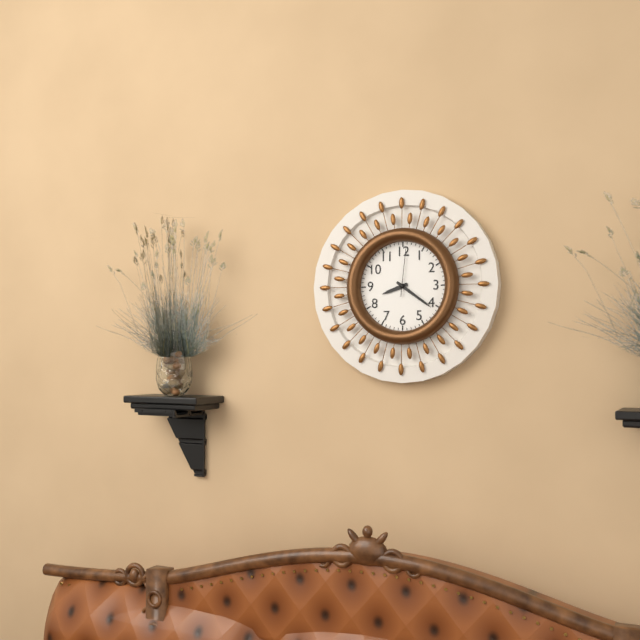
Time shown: 8:21:01
